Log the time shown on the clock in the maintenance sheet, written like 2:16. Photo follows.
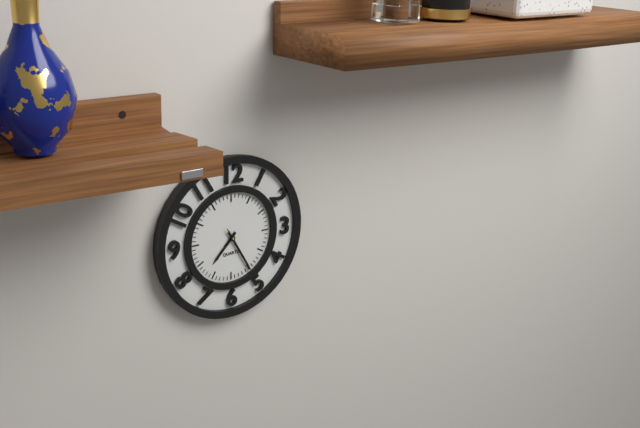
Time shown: 7:25
